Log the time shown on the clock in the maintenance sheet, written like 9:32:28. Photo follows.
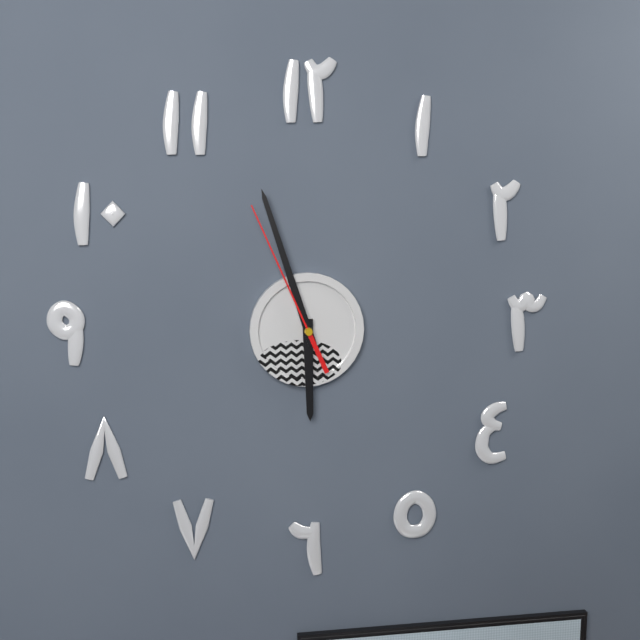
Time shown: 5:57:56
